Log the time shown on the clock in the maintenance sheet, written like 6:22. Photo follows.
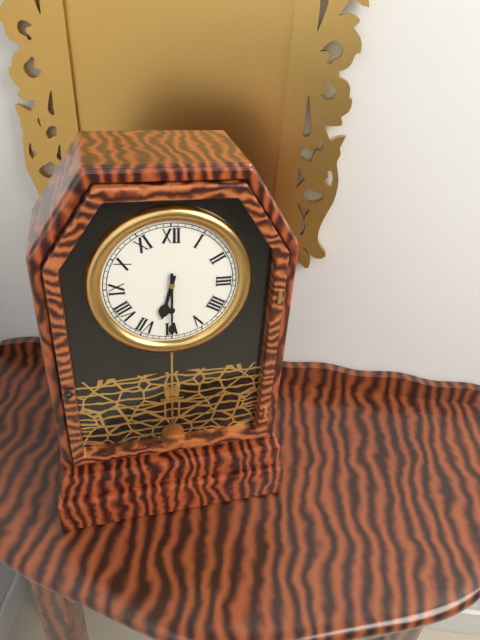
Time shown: 6:30
